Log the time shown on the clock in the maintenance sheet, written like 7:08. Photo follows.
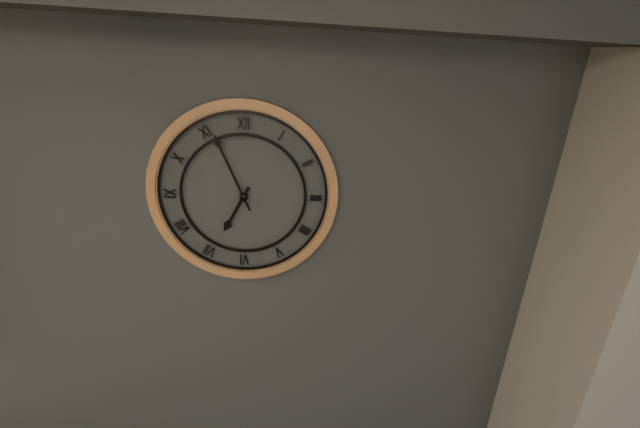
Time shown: 6:56
